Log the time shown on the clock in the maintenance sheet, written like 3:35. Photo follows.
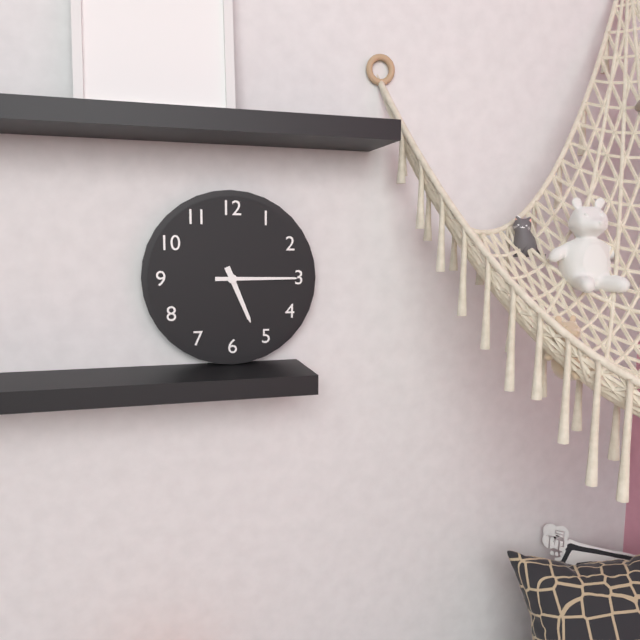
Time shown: 5:15
